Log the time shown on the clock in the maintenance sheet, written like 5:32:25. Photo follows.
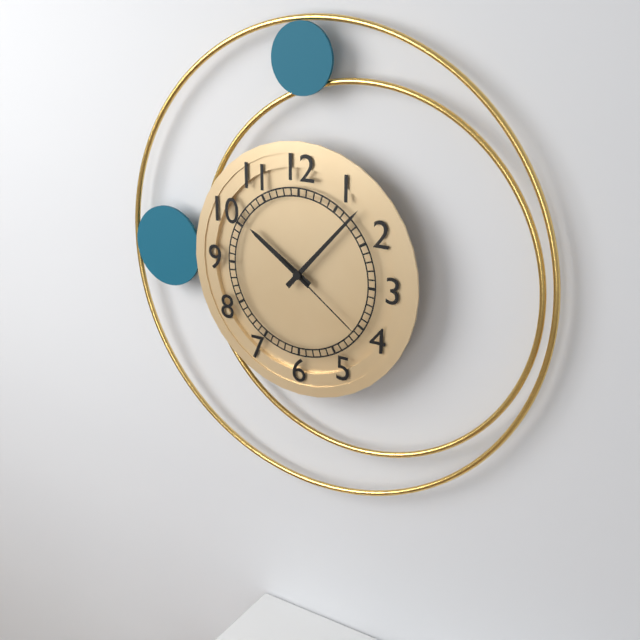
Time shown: 10:07:21
